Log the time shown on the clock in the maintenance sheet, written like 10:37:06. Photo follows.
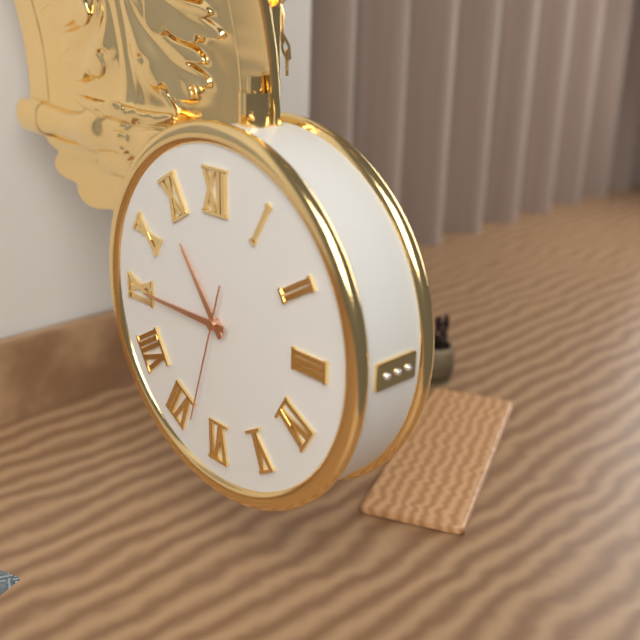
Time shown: 10:45:33
